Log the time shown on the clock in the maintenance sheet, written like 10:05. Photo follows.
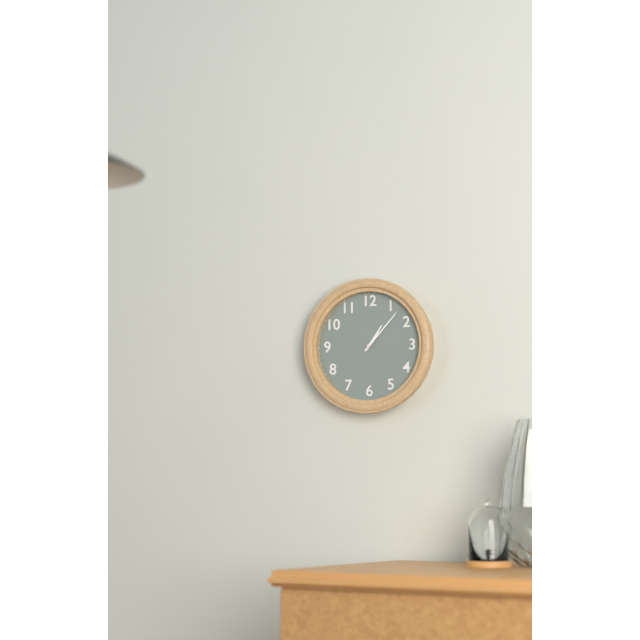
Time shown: 1:07
